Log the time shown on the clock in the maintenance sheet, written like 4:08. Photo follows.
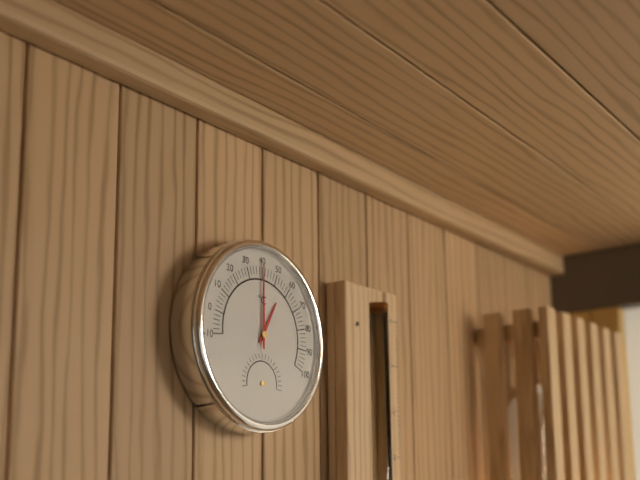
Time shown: 1:00
